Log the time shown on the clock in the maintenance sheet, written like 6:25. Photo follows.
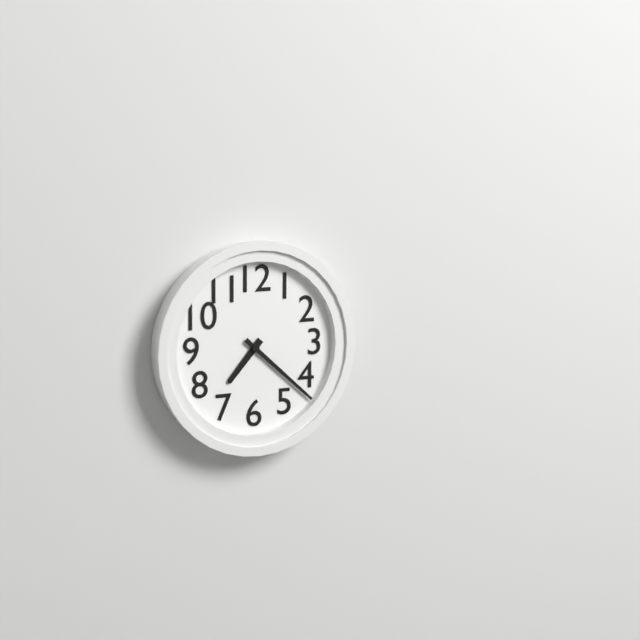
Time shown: 7:22
